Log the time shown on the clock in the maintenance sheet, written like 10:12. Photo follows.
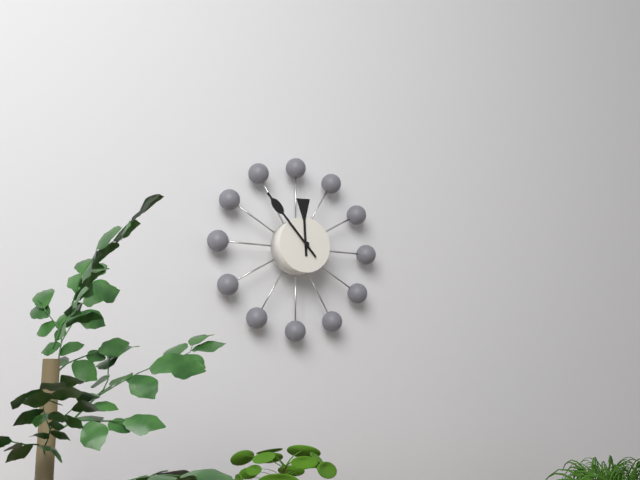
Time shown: 11:53
